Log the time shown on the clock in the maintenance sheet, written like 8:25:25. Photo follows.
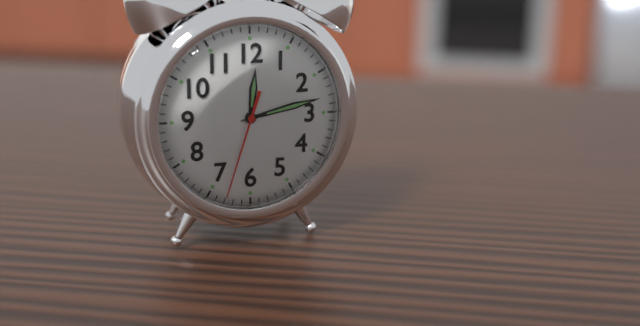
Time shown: 12:13:33
